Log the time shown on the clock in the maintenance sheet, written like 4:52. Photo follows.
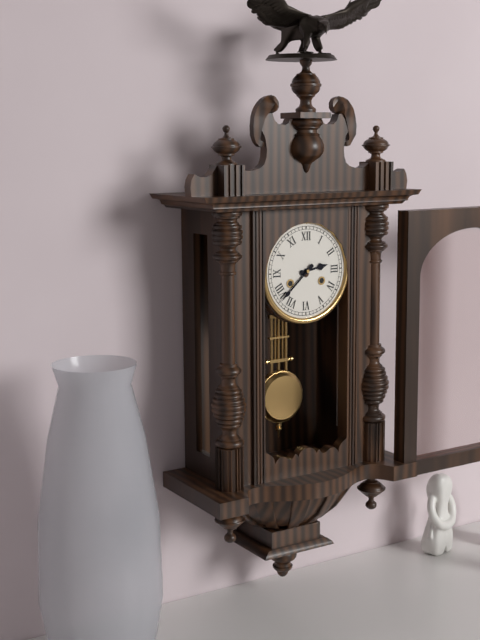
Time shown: 2:38
